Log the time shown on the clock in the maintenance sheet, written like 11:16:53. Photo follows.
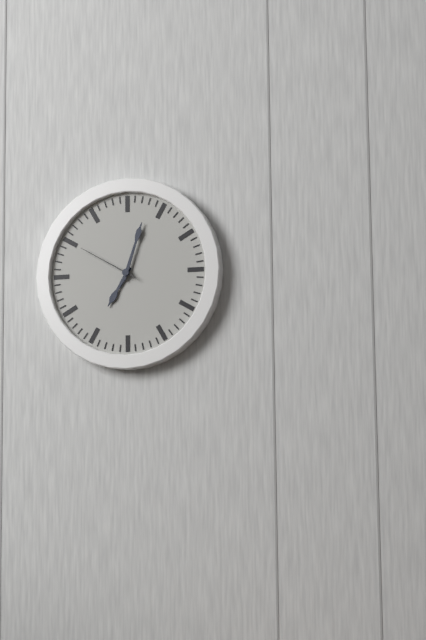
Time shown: 7:03:50
